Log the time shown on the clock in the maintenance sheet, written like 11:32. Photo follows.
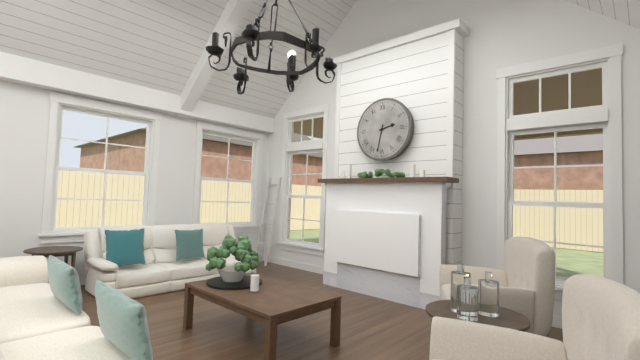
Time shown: 2:32
